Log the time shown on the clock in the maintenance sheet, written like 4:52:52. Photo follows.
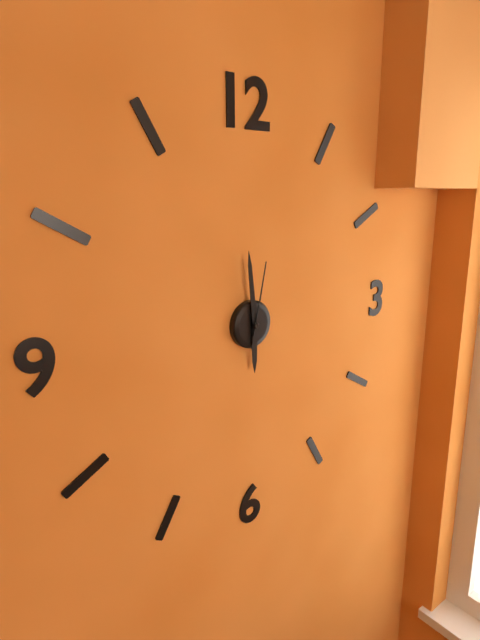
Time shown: 5:59:02
